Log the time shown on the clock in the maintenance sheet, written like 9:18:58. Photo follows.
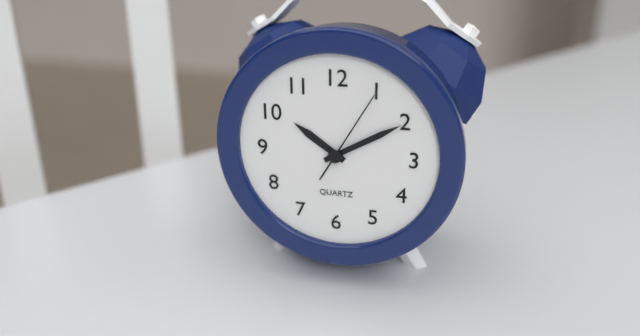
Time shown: 10:10:05
